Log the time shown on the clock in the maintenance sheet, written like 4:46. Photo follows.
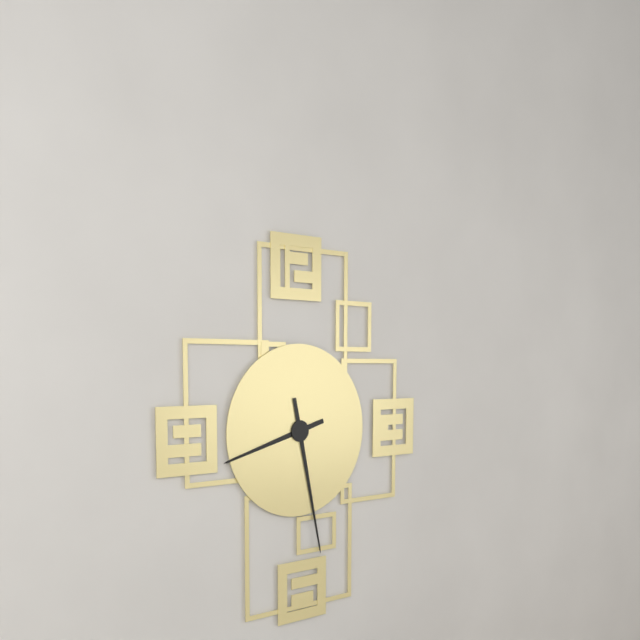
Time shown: 8:28
